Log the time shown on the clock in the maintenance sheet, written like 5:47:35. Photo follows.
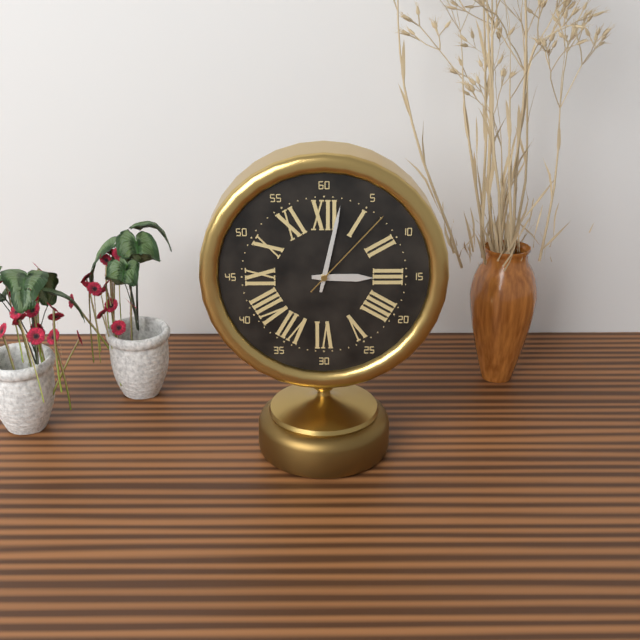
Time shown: 3:02:07
